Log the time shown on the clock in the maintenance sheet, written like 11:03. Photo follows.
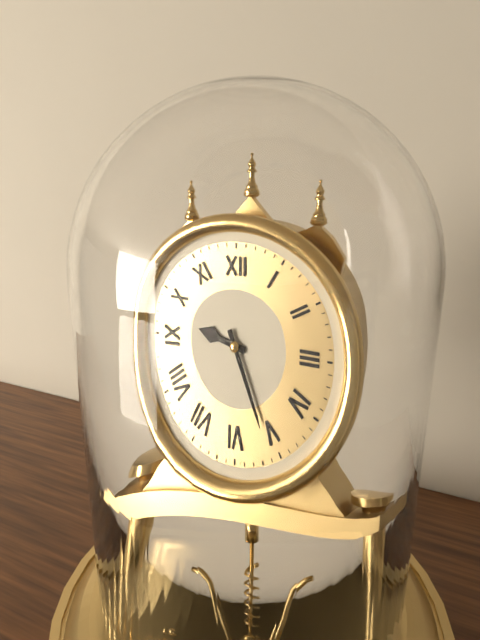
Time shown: 9:26
